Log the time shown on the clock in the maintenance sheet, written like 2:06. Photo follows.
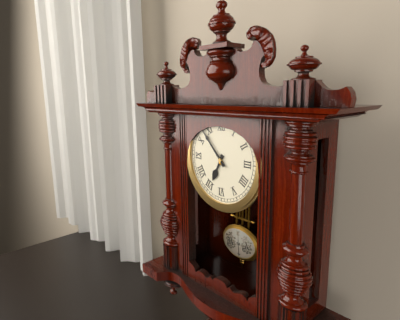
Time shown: 6:53
